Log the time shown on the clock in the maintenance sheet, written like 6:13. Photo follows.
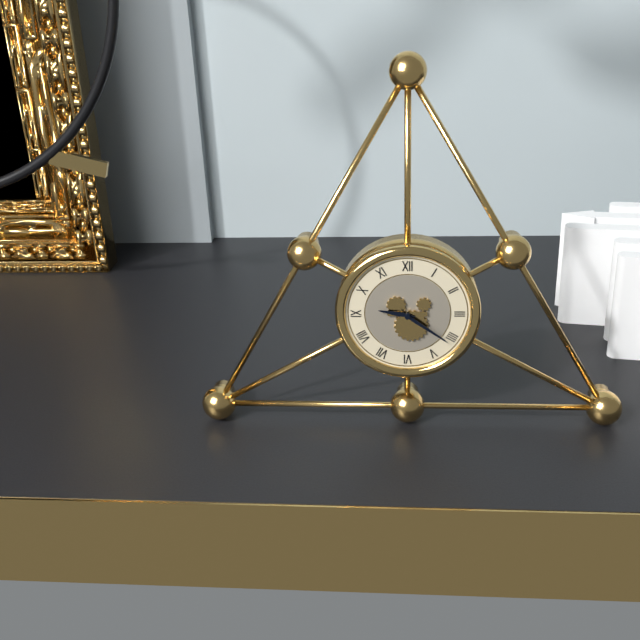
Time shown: 9:21
